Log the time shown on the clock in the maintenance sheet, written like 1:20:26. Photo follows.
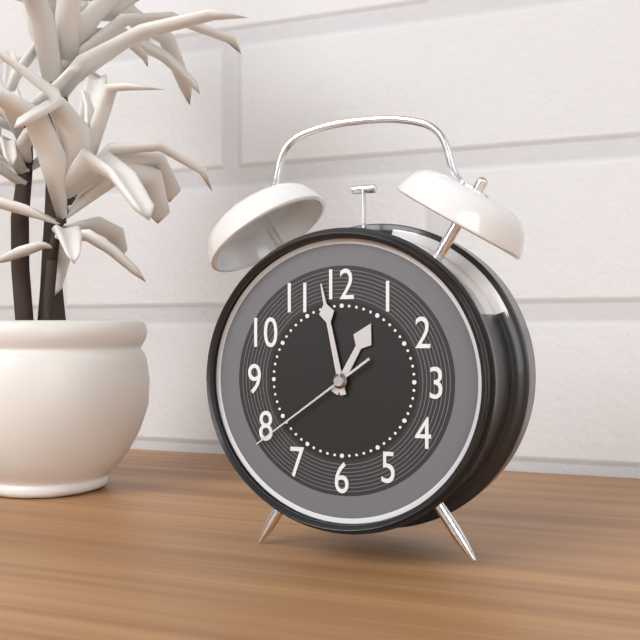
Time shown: 12:58:39
